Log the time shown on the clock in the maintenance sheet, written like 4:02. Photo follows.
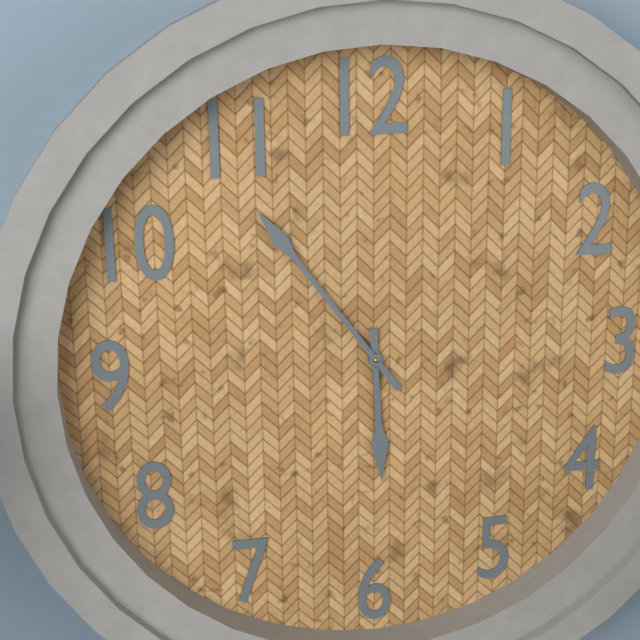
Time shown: 5:54
